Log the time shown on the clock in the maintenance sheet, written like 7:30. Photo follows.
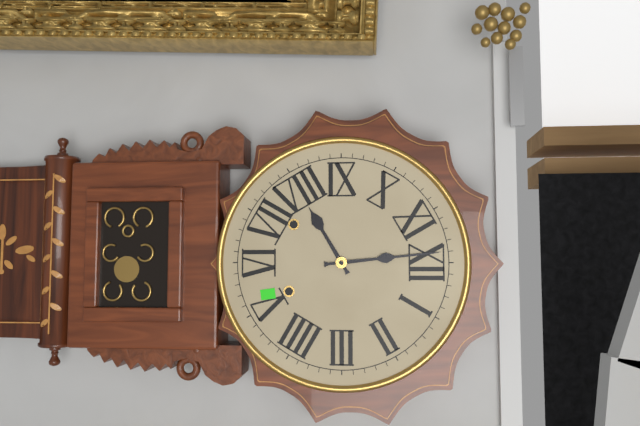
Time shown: 7:59
